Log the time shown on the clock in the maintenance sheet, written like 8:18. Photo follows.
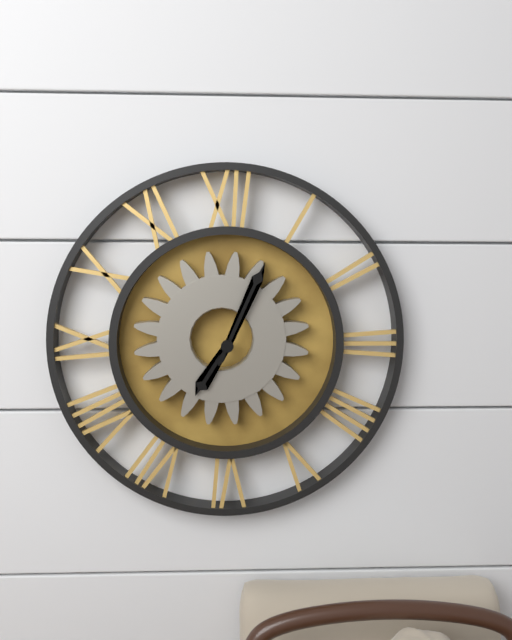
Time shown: 7:04
